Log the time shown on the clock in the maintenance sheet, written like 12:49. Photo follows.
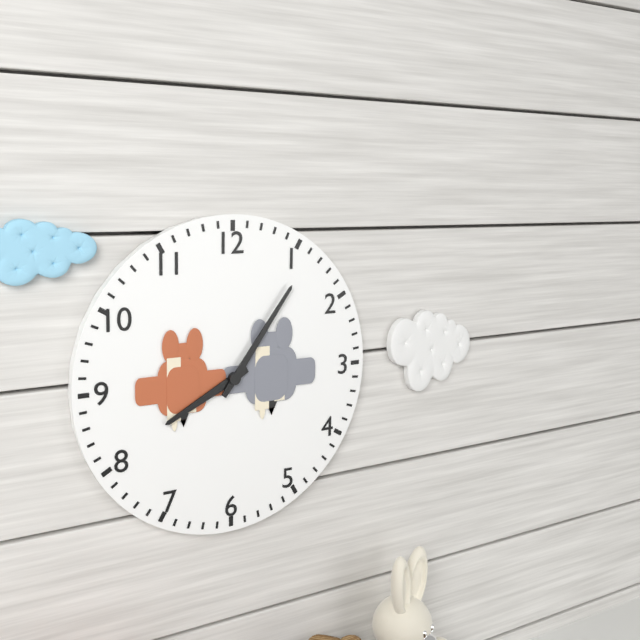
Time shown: 8:06
